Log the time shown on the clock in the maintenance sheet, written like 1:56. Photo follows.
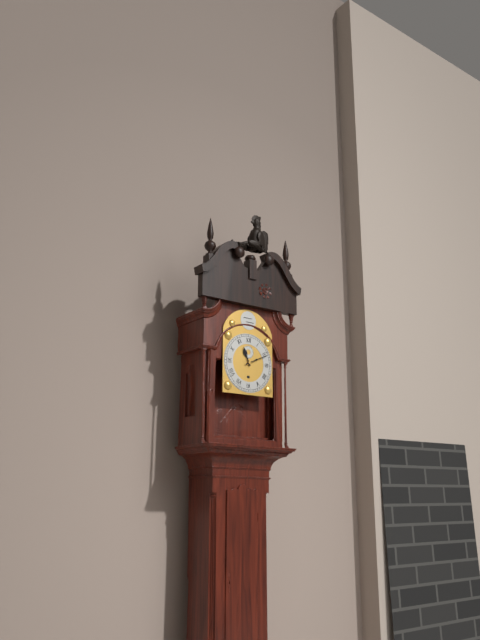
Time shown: 11:11
